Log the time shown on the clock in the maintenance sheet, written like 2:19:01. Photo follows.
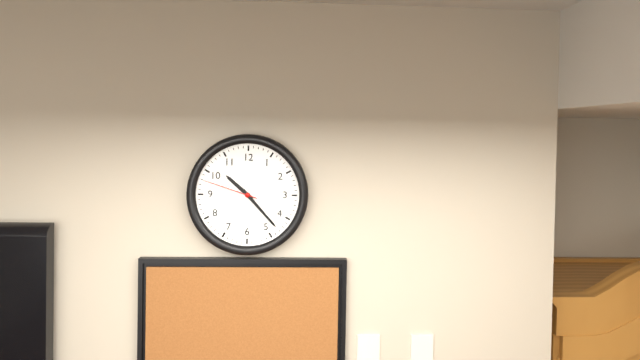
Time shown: 10:23:48
